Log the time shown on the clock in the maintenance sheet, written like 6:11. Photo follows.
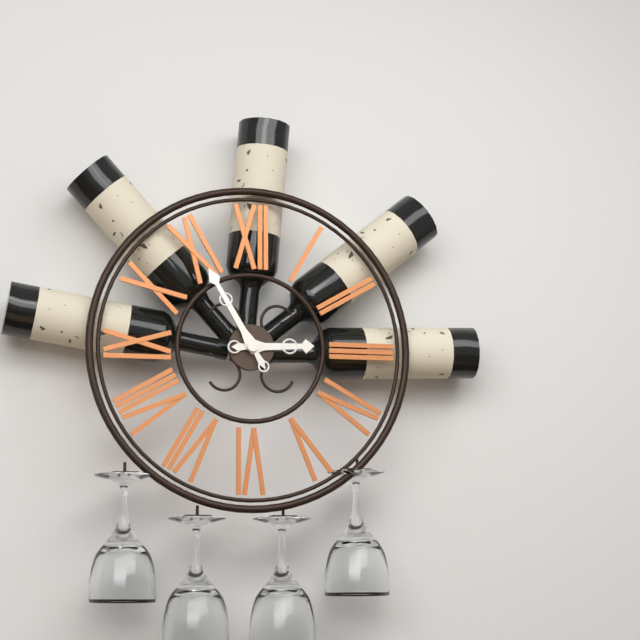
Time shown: 2:55
